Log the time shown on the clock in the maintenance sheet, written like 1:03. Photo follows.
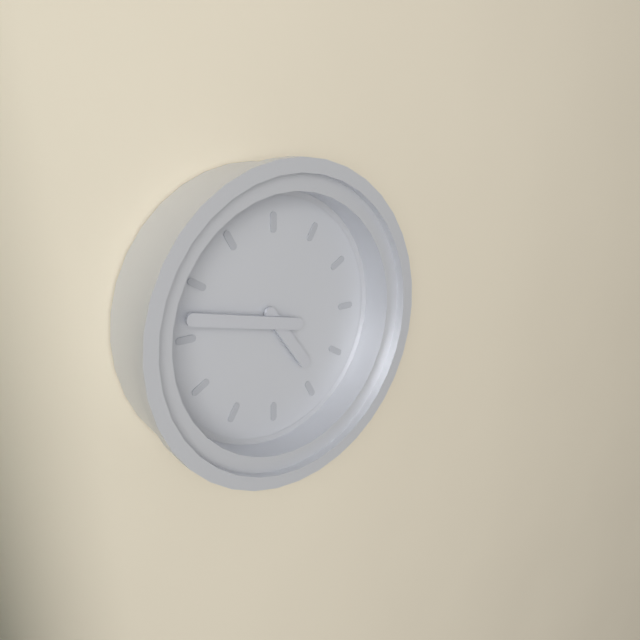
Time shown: 4:47
